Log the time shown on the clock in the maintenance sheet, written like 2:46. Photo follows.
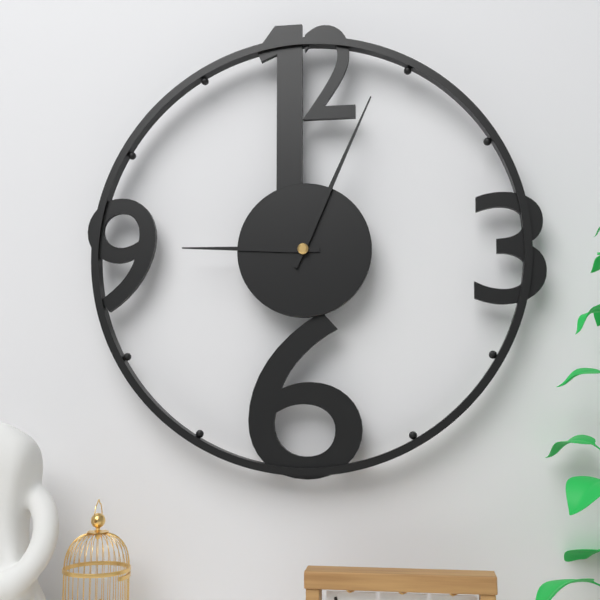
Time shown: 9:04
